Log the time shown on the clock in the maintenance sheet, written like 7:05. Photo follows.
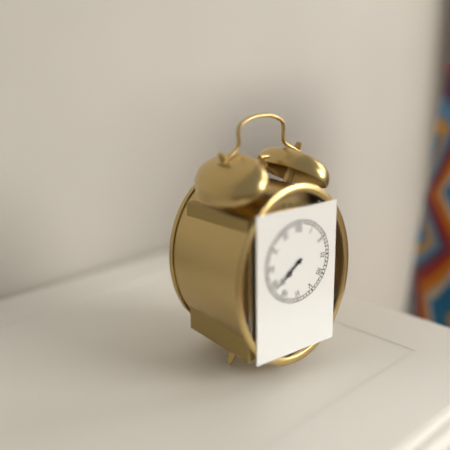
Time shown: 7:39
